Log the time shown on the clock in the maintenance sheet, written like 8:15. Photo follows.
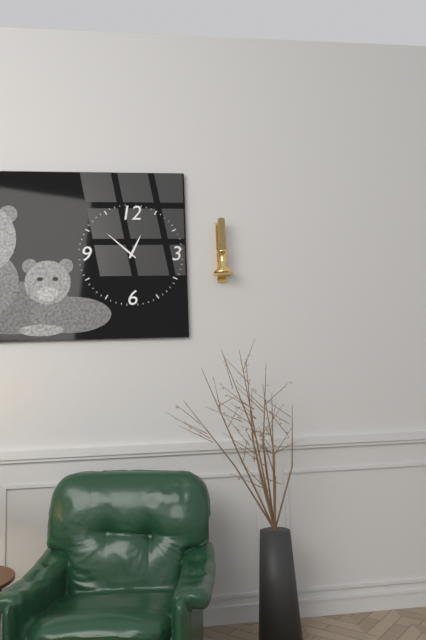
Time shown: 12:52
